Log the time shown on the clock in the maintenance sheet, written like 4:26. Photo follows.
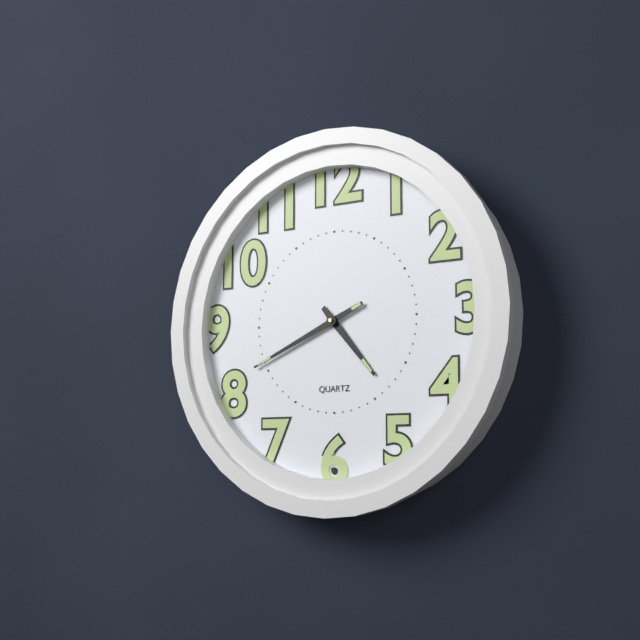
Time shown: 4:41
